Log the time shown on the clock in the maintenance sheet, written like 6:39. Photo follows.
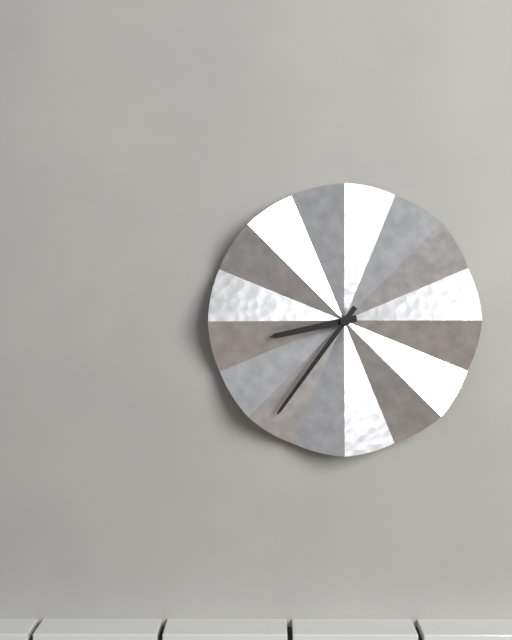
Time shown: 8:36
